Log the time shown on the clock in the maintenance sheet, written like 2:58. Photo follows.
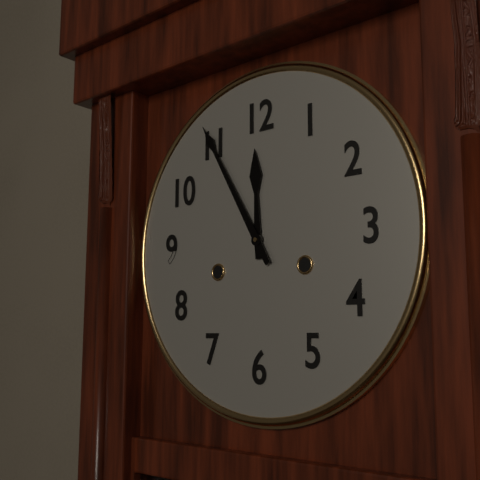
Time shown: 11:55
